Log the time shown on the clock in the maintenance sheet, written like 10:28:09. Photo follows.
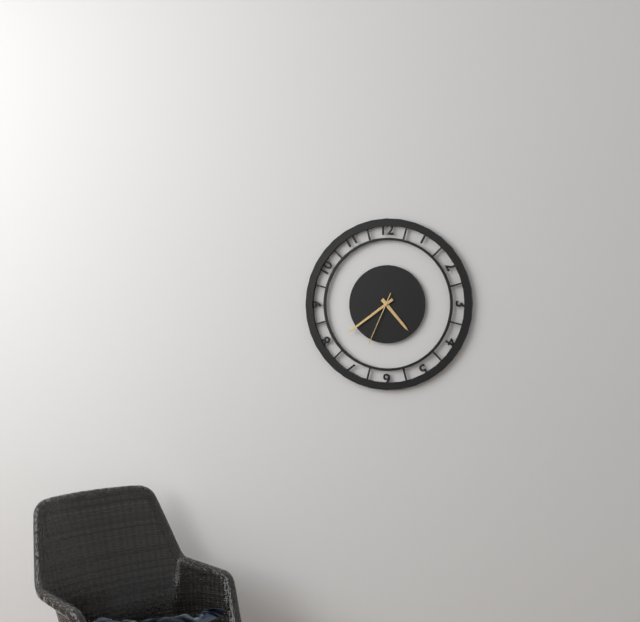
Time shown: 4:39:34
